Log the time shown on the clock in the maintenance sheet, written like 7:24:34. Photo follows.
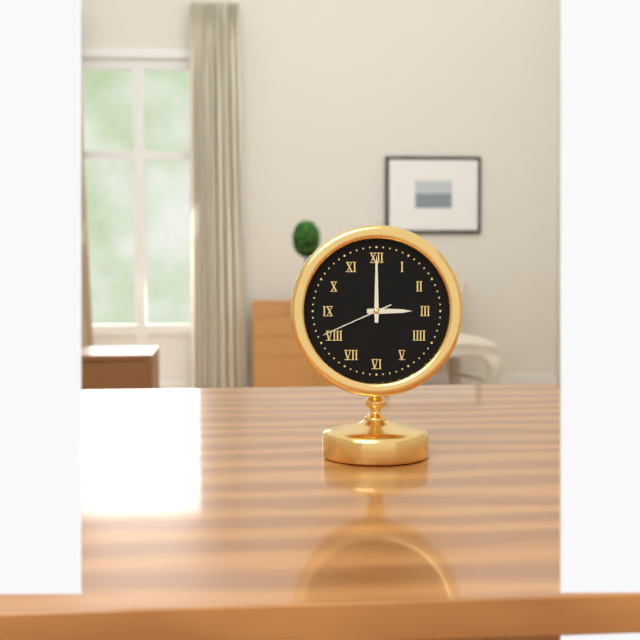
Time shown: 3:00:41
